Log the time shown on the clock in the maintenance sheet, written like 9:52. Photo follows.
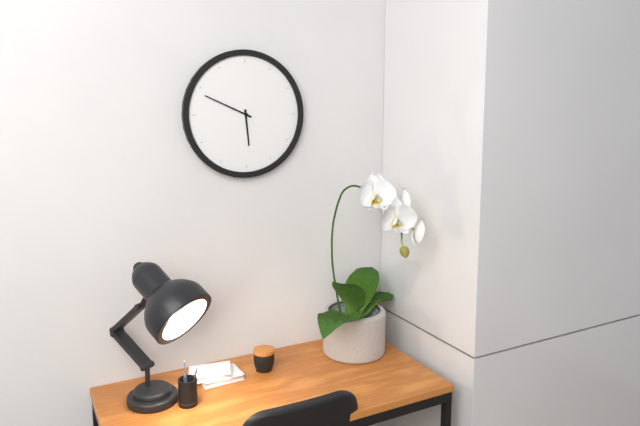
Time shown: 5:49
